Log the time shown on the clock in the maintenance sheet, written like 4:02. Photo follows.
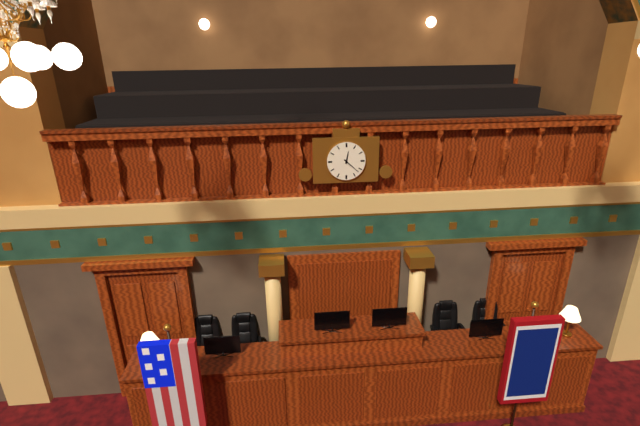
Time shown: 12:22
